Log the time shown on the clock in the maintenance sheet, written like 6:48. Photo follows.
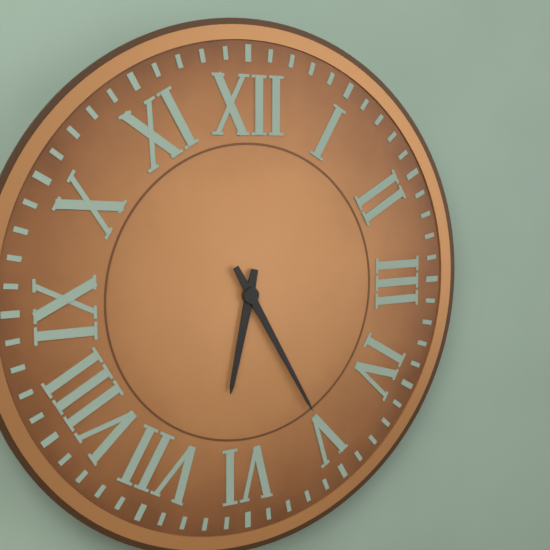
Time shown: 6:25
